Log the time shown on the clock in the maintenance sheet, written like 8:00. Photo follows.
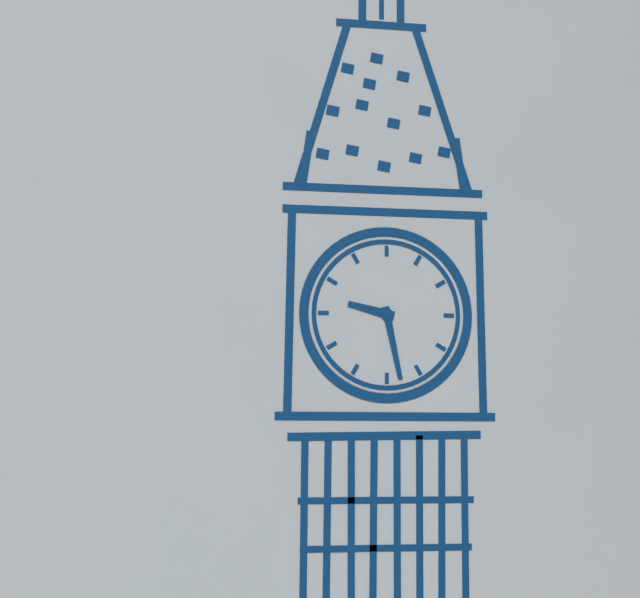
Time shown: 9:28
